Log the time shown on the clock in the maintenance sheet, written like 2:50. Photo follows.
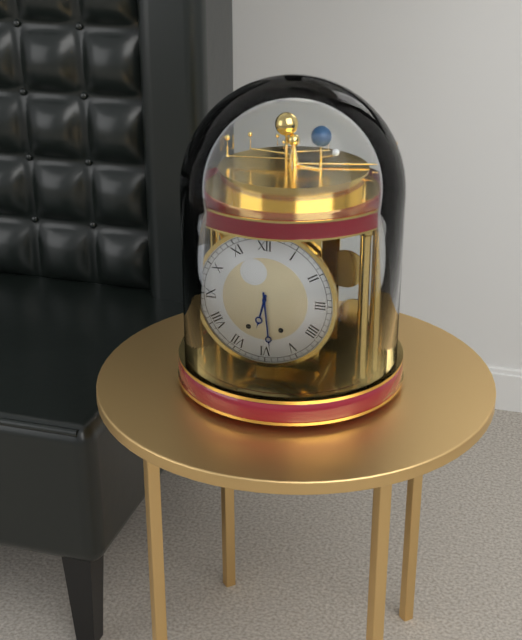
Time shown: 6:29
